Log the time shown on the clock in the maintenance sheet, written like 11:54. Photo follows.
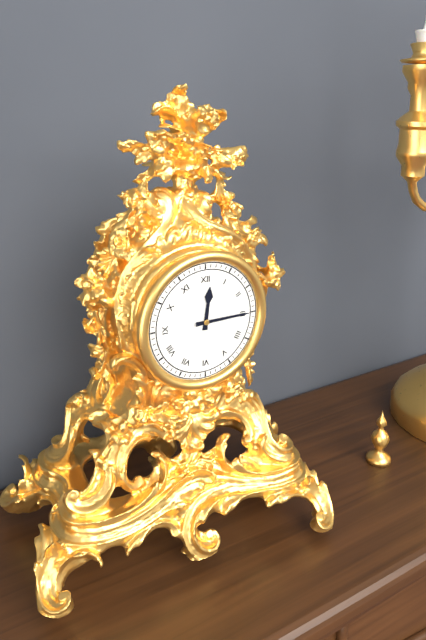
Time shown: 12:15
